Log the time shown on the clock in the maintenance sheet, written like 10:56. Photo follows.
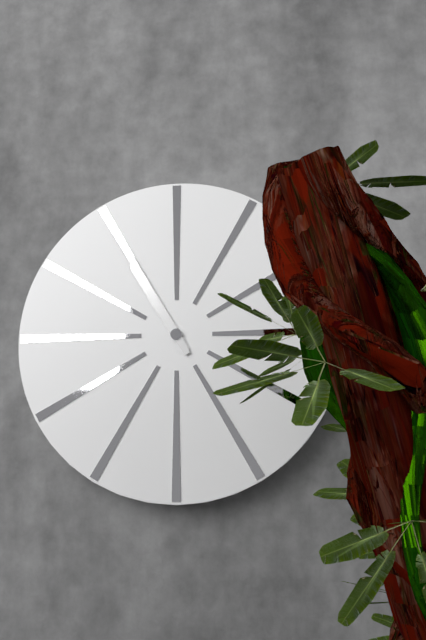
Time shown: 10:55
